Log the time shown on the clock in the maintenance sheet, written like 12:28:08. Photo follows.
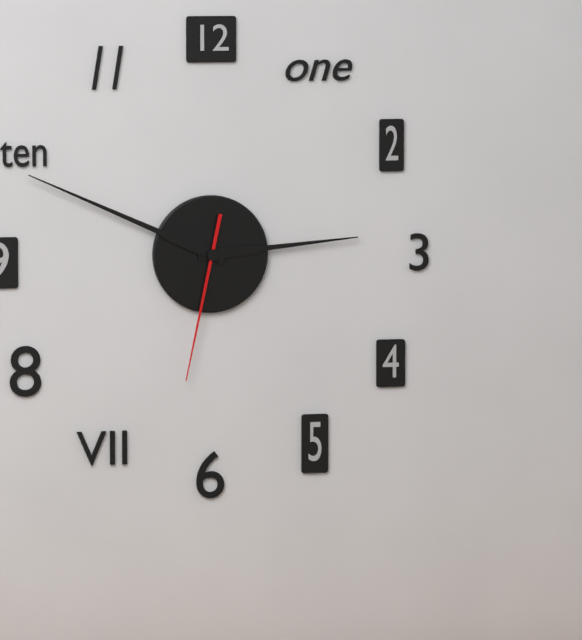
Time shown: 2:49:32
